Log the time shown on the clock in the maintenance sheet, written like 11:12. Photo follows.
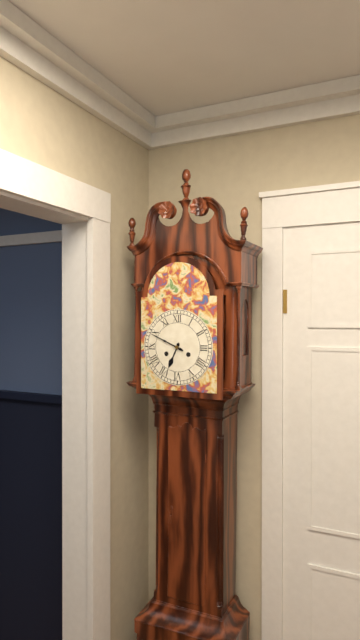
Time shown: 6:49
